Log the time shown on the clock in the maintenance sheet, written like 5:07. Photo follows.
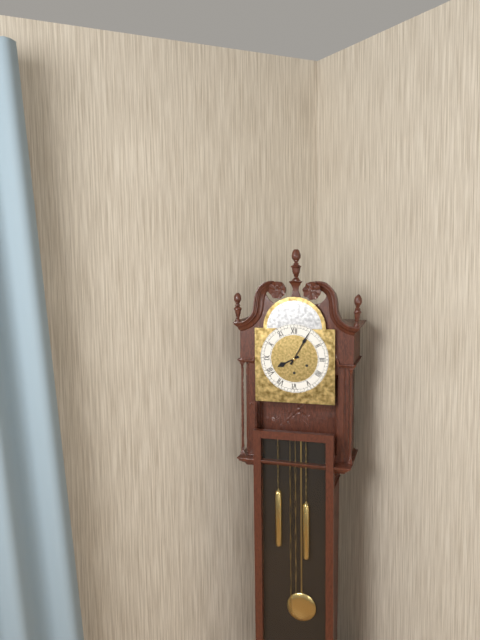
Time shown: 8:05
